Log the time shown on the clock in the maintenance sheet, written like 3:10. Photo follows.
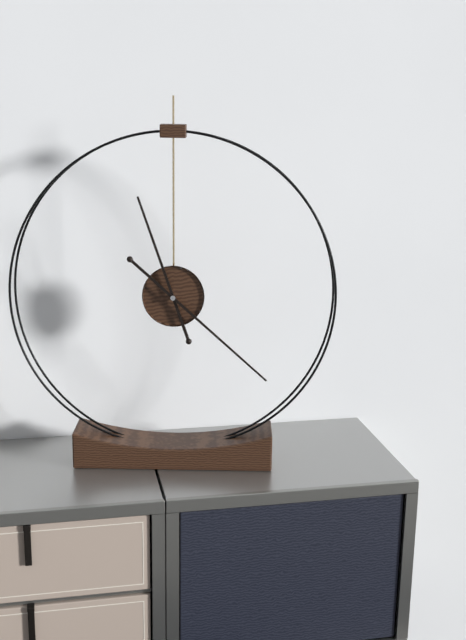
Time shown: 11:22
